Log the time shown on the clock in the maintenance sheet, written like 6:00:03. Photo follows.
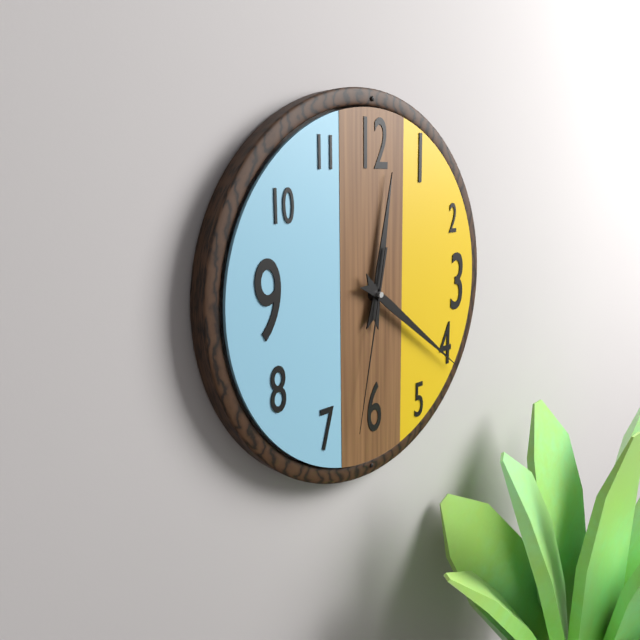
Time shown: 12:21:32
